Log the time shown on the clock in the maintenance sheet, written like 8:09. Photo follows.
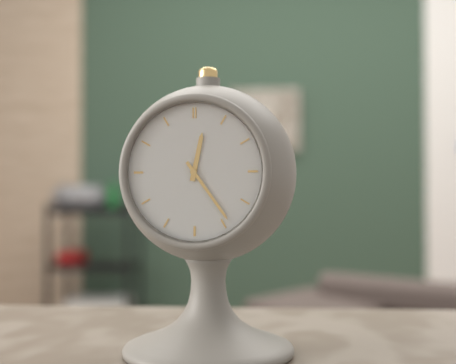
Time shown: 12:24
